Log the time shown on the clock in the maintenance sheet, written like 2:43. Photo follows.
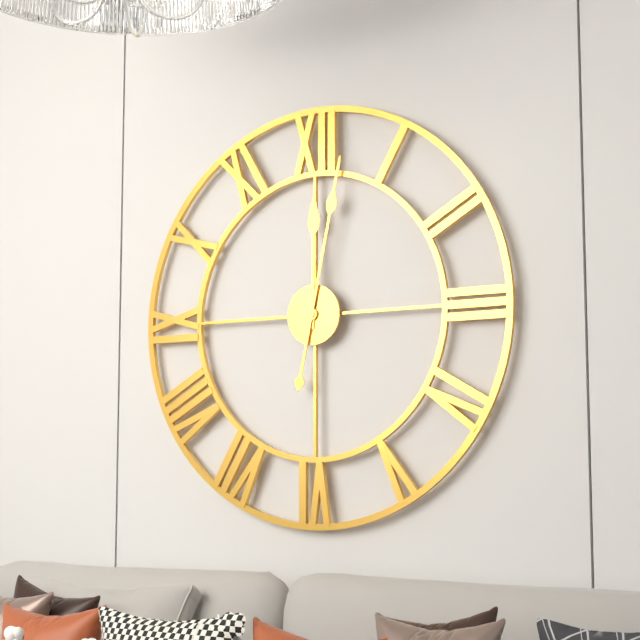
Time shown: 12:02
